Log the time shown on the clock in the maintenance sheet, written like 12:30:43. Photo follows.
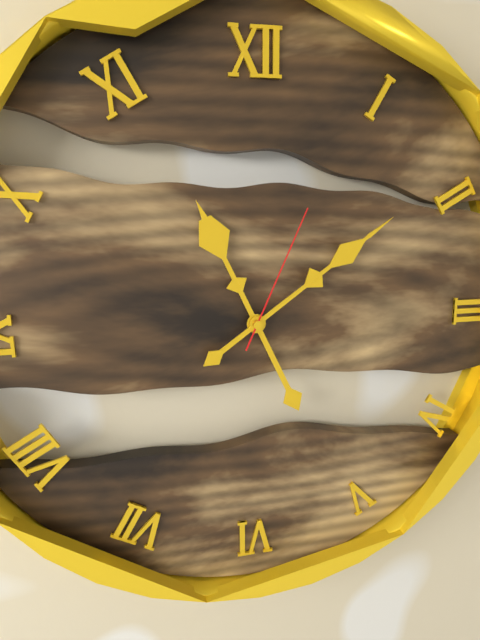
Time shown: 11:09:04
